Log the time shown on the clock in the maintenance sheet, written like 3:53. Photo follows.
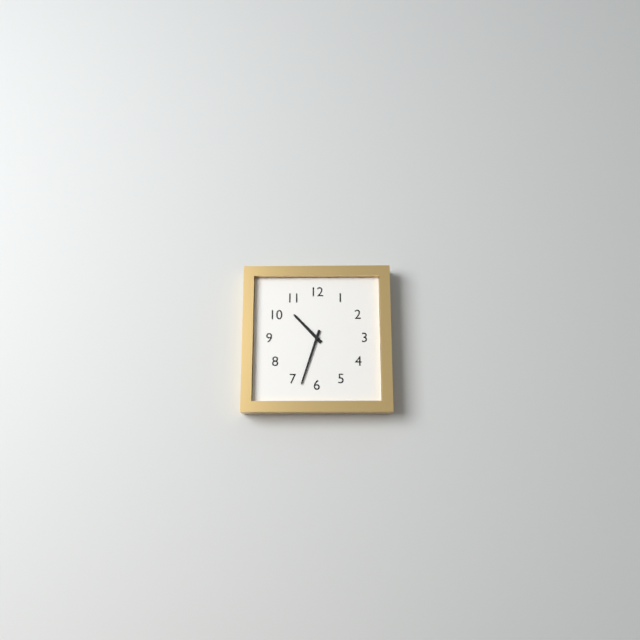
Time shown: 10:33
